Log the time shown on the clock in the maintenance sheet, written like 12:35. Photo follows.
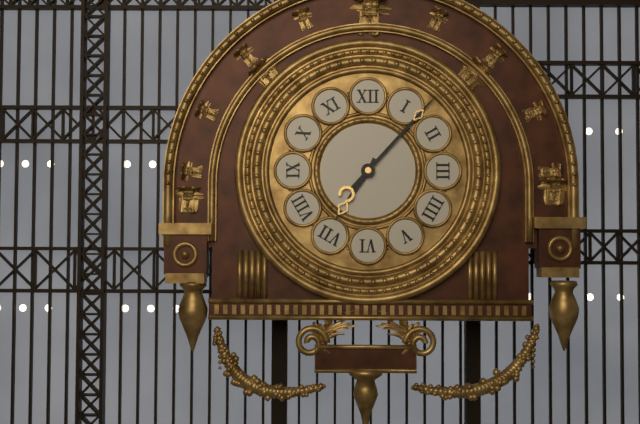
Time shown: 7:07
